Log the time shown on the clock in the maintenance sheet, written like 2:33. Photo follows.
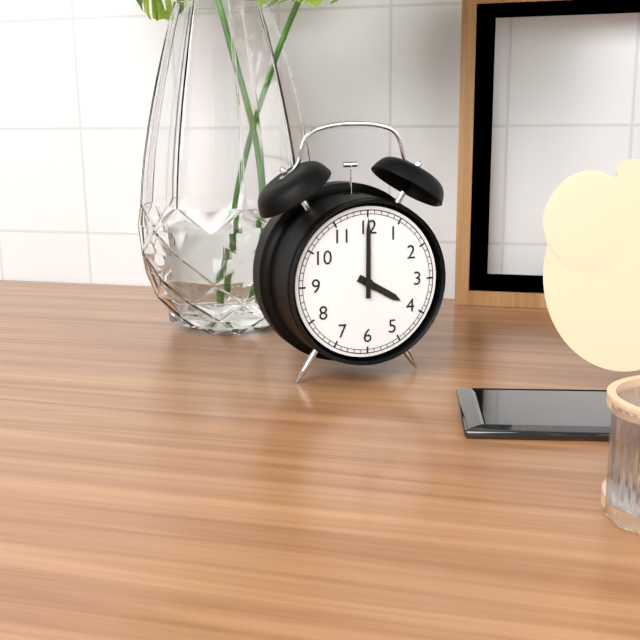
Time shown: 4:00
